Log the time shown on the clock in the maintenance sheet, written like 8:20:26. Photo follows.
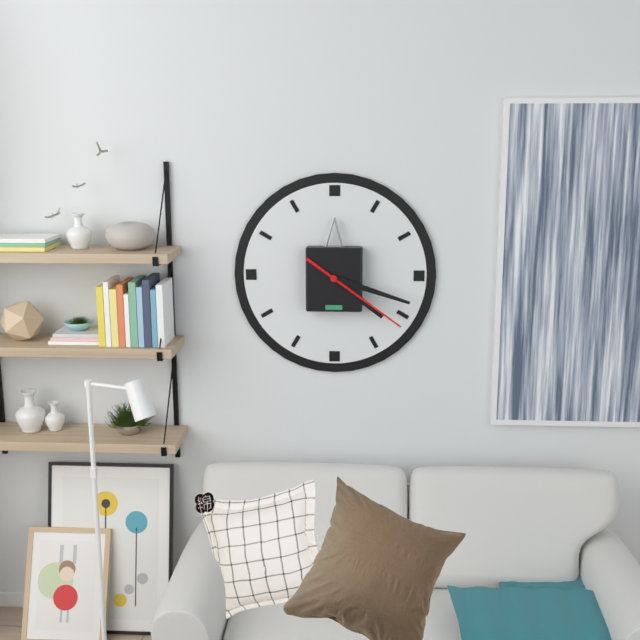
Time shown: 4:18:21
